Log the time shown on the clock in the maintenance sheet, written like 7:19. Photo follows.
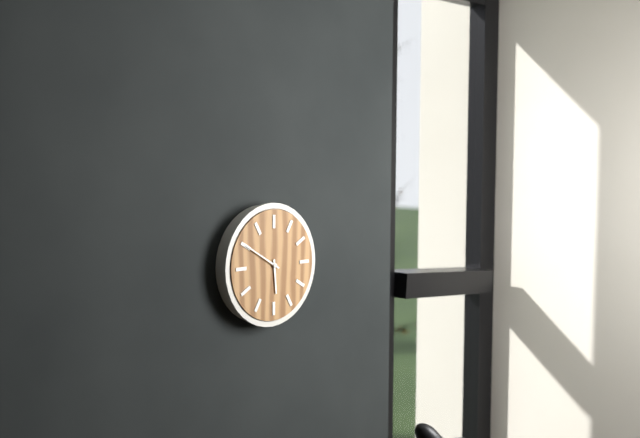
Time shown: 5:50
